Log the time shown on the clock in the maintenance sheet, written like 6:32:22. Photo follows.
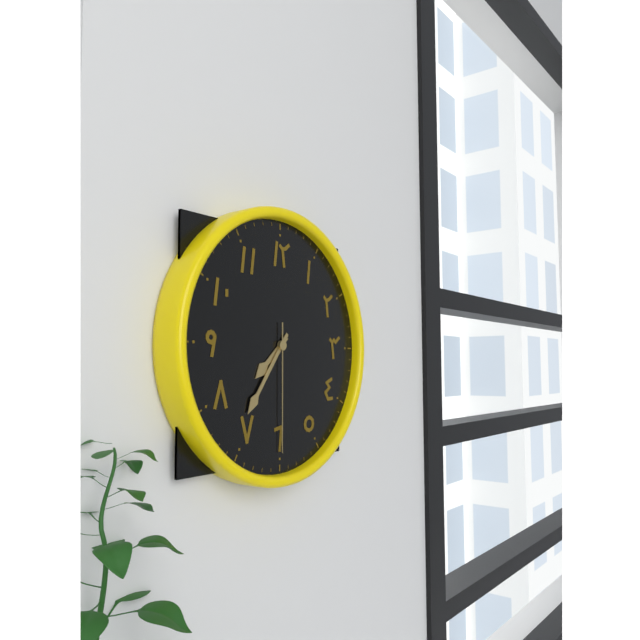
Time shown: 7:36:30
